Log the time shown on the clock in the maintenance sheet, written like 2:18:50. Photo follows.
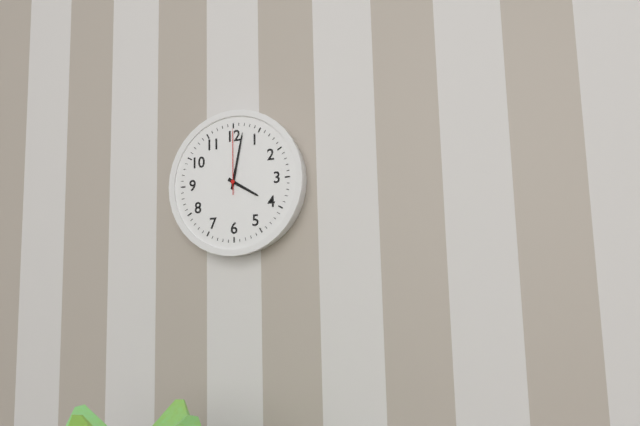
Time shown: 4:02:00
